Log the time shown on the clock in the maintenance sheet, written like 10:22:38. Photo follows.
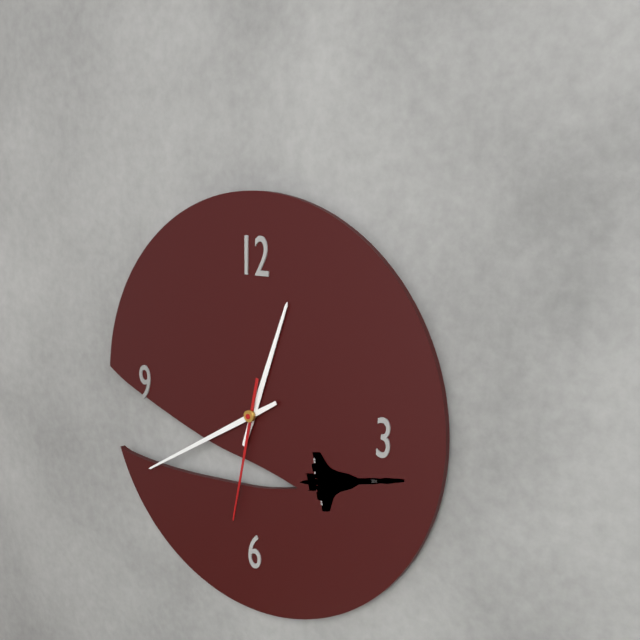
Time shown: 12:40:32
